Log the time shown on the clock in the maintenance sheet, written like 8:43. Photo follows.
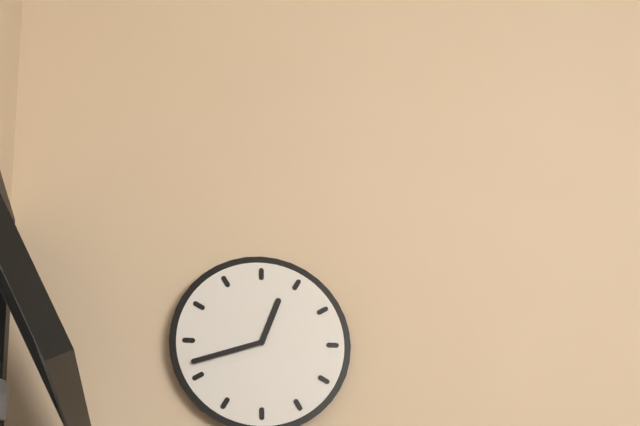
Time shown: 12:42
